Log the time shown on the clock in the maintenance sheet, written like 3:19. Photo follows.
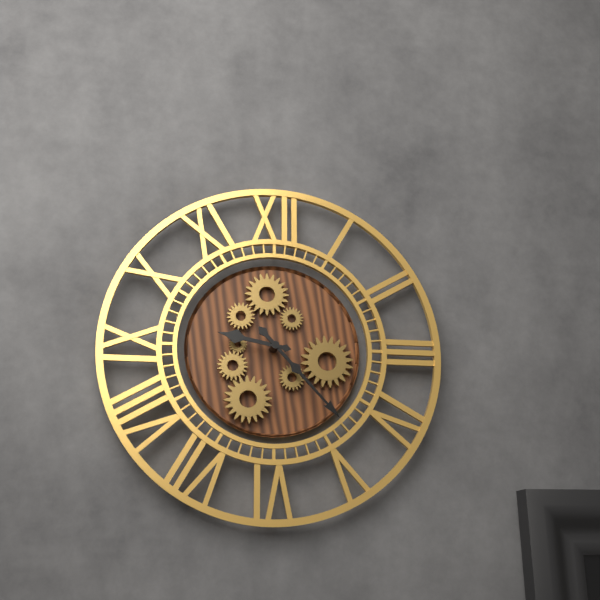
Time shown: 9:23
